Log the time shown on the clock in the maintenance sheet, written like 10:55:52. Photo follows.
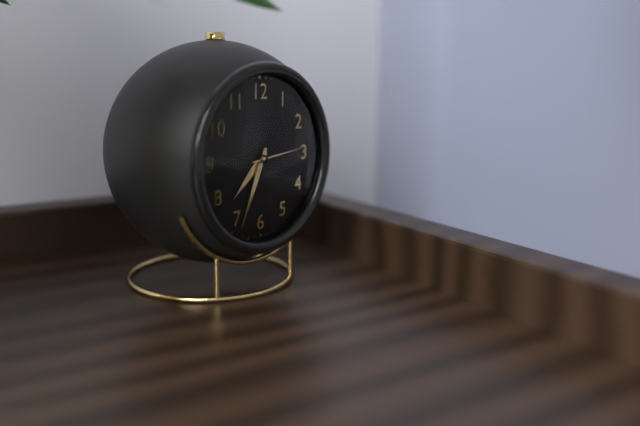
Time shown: 7:34:14
